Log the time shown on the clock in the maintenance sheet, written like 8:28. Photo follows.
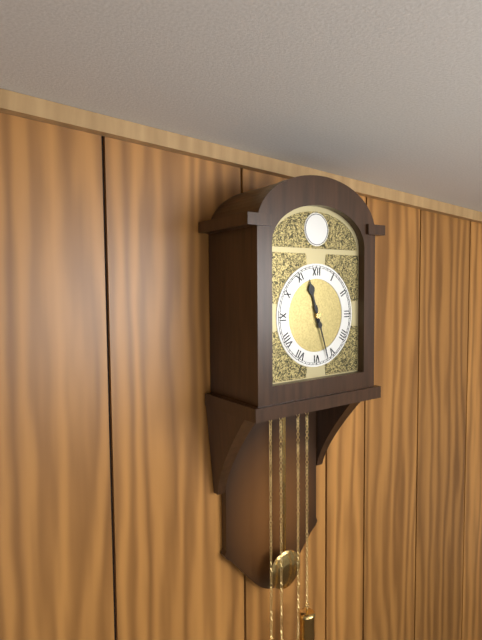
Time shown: 11:27
